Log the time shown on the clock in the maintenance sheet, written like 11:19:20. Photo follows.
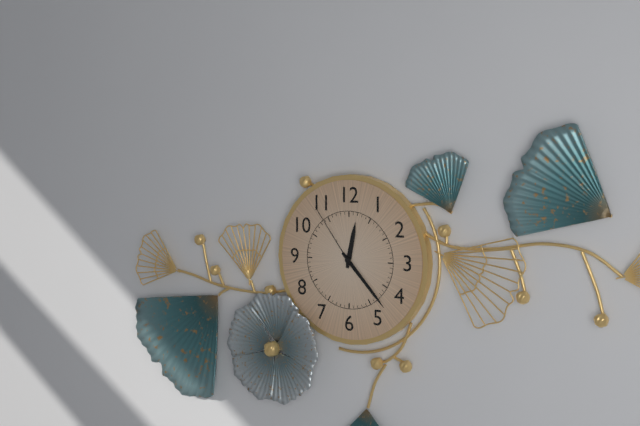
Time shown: 12:23:54
